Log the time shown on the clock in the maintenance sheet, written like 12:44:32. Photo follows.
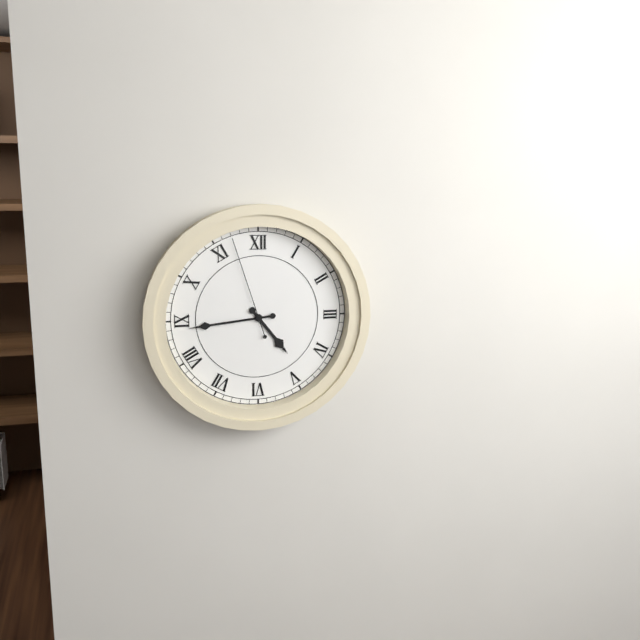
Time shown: 4:44:57
